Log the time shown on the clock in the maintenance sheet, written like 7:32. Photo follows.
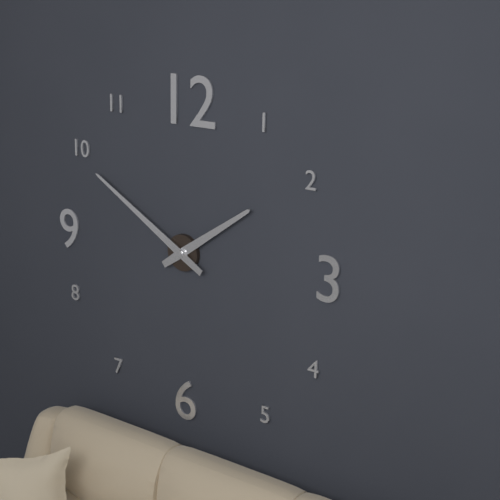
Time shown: 1:50
